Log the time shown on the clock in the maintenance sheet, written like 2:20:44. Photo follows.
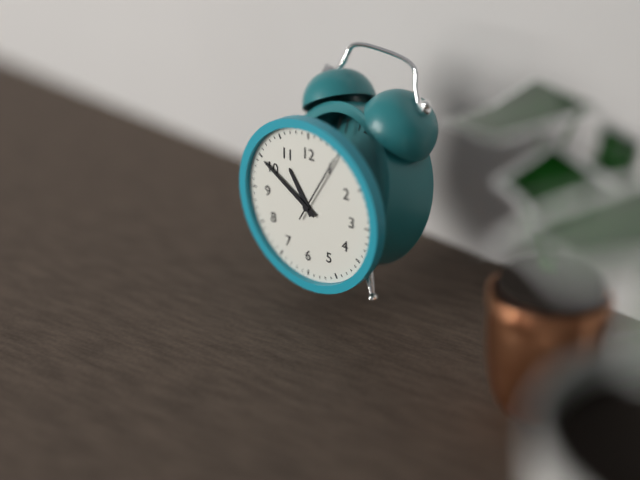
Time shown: 10:50:05
